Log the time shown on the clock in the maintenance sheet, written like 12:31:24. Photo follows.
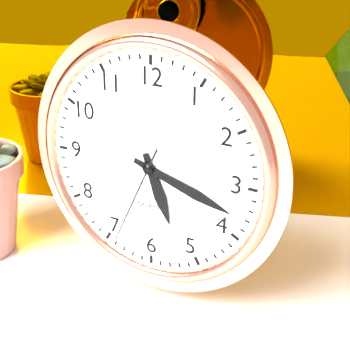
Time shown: 5:18:34
